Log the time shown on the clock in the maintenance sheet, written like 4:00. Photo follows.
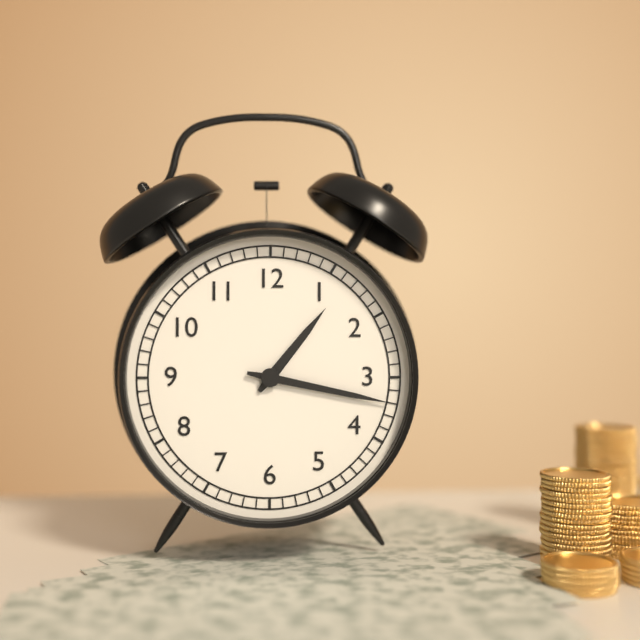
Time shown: 1:17
